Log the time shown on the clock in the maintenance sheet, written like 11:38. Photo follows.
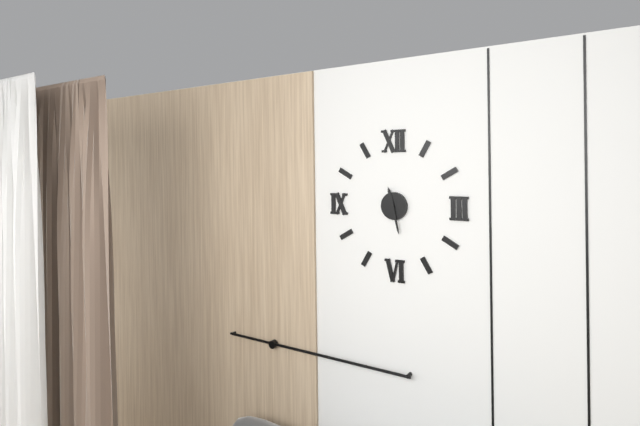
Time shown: 11:28
